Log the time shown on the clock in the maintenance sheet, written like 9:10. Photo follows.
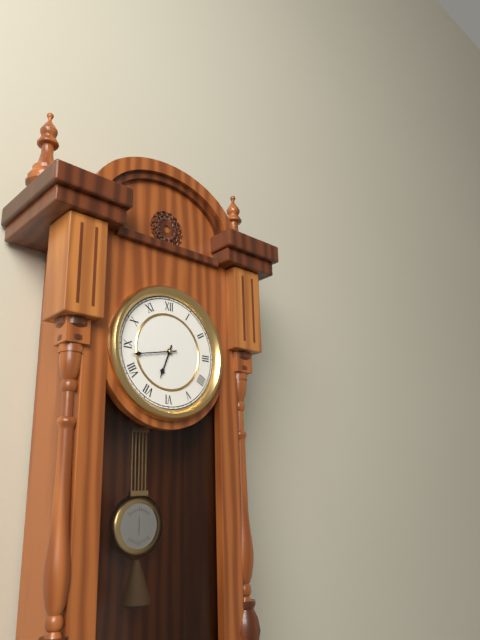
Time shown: 6:43
